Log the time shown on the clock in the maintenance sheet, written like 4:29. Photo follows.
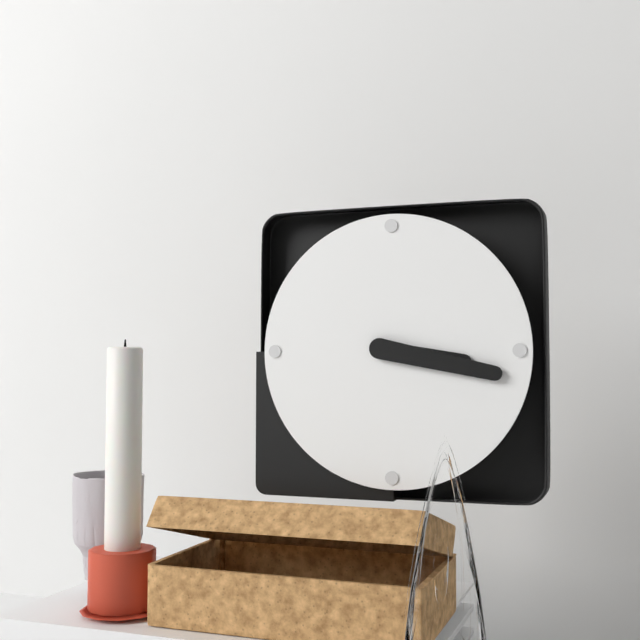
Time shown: 3:17
